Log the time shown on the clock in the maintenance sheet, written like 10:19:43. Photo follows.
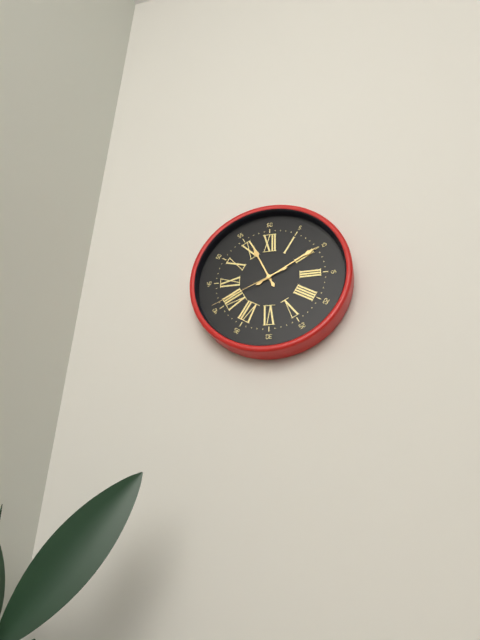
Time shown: 11:10:41
